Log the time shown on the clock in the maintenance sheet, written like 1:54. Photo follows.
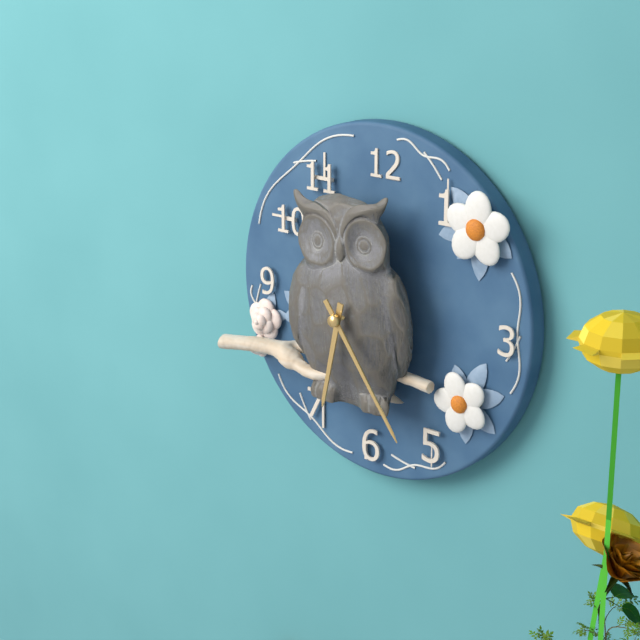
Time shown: 6:24
